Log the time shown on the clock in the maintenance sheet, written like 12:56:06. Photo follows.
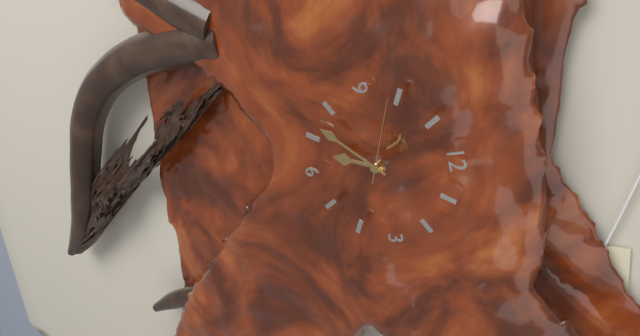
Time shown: 6:37:49
